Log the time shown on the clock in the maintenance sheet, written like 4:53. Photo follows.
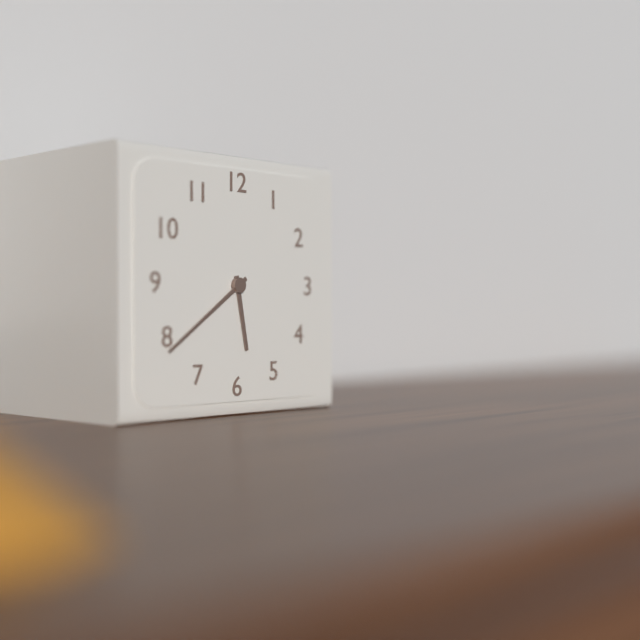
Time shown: 5:39
